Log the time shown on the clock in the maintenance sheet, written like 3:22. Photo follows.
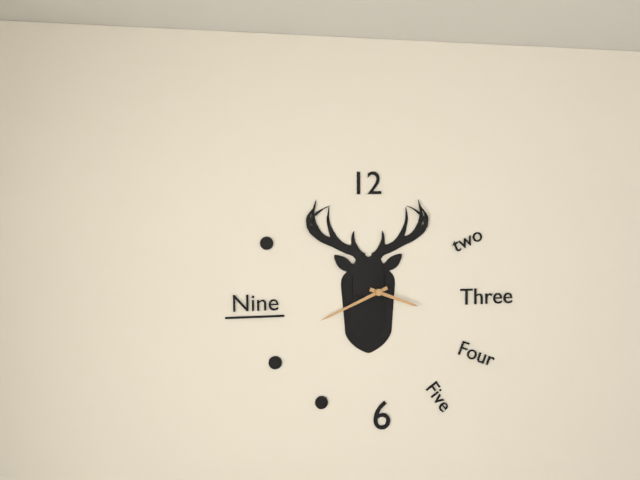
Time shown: 3:41
